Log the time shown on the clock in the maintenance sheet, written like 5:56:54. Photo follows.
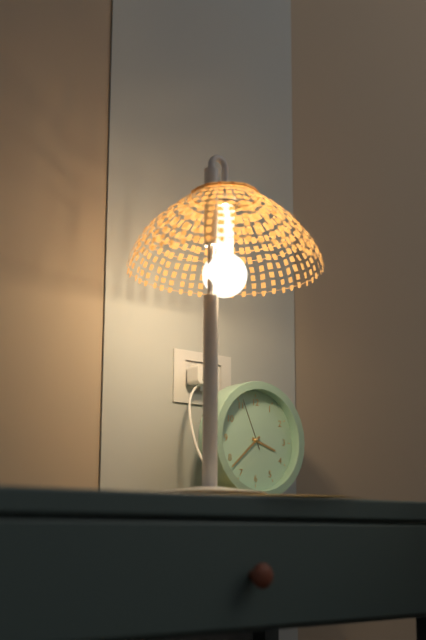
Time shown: 3:38:56
